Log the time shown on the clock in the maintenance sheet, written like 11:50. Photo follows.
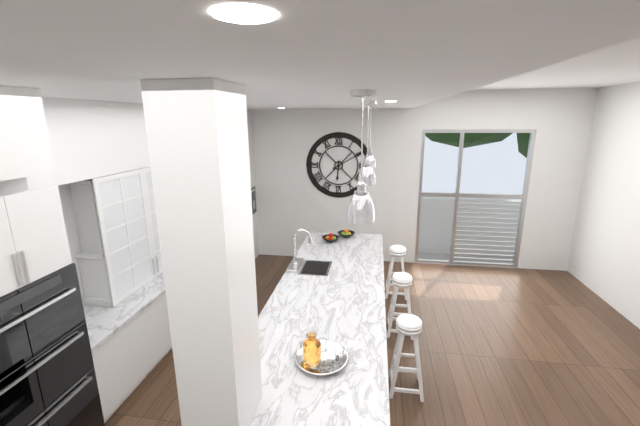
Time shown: 6:10
